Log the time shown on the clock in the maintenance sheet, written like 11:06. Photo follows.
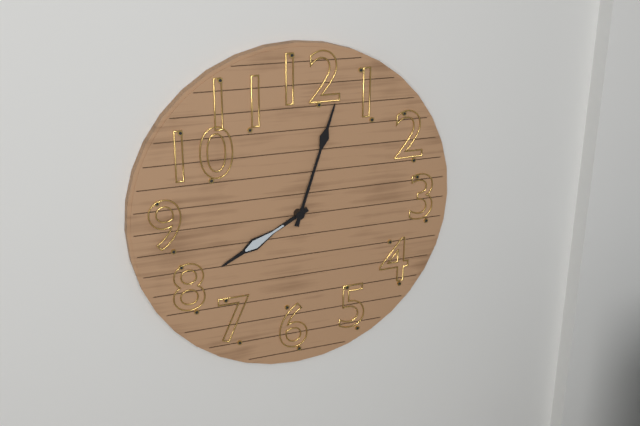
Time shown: 8:03
